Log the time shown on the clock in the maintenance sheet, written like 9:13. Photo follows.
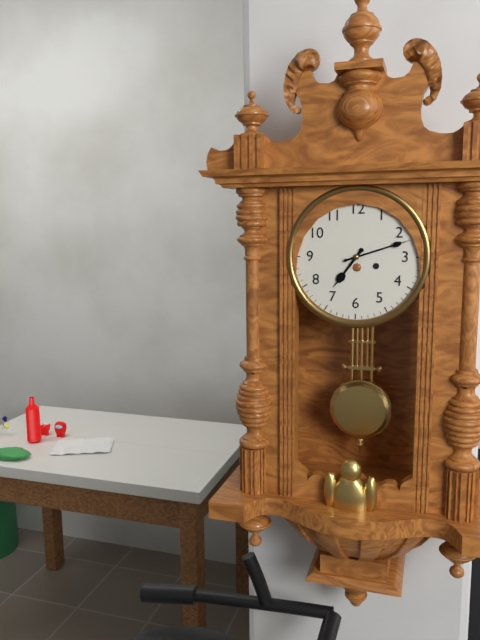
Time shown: 7:12
